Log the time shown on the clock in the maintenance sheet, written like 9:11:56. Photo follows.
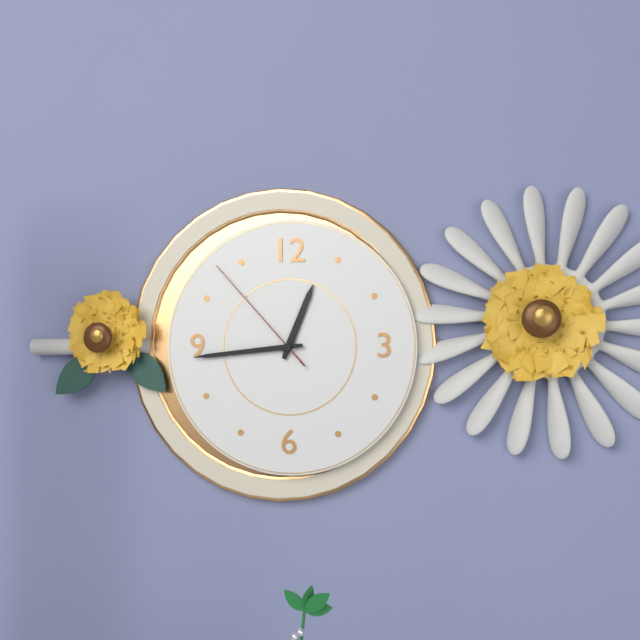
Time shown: 12:44:53
